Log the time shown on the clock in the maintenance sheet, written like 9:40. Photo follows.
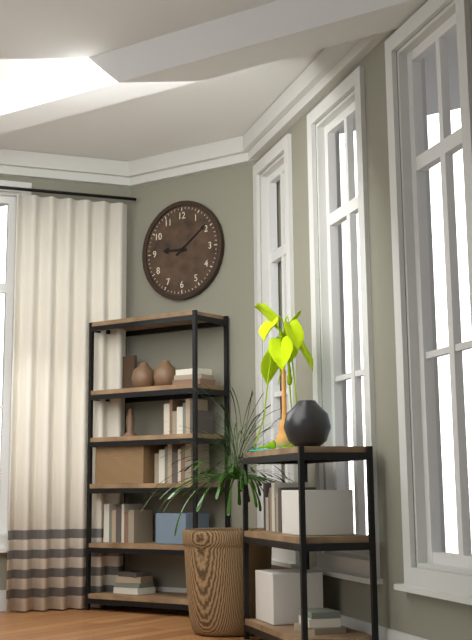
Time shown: 9:09
